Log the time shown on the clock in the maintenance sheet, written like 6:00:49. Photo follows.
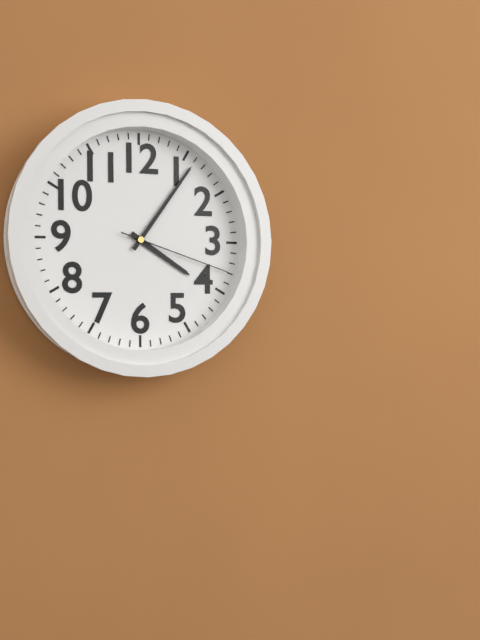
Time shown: 4:06:18
